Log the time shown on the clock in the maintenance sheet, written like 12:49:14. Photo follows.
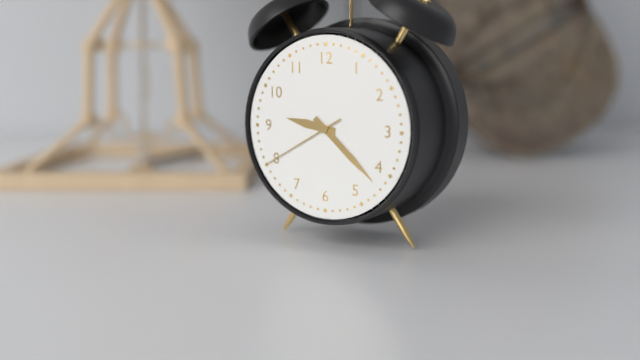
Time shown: 9:22:40
